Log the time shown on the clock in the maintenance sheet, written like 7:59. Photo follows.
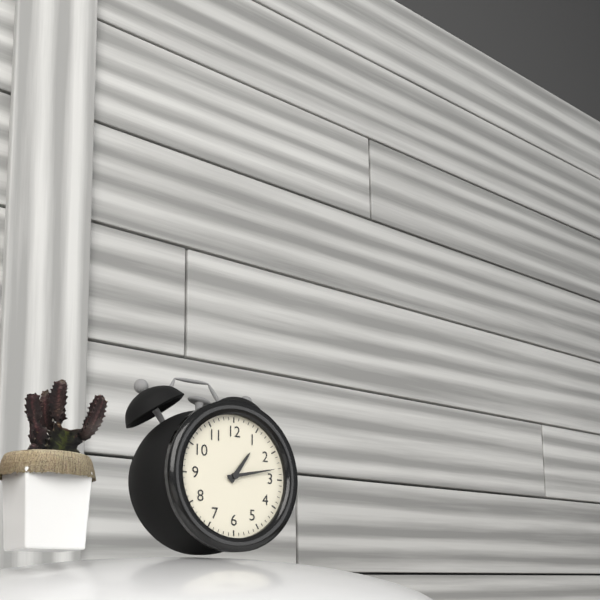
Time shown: 1:13
